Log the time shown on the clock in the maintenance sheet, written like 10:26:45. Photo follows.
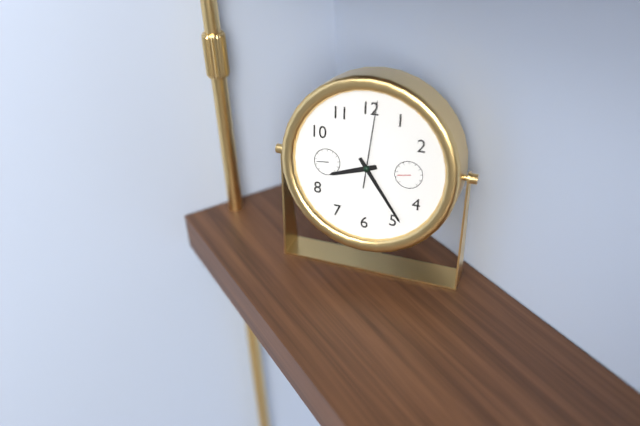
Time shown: 8:24:01
